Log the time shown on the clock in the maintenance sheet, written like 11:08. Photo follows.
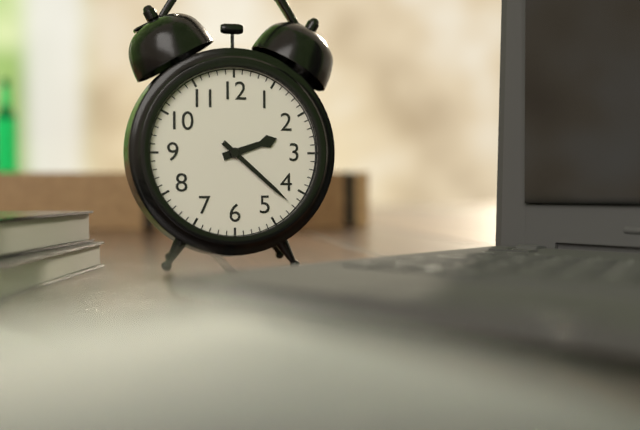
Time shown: 2:22
